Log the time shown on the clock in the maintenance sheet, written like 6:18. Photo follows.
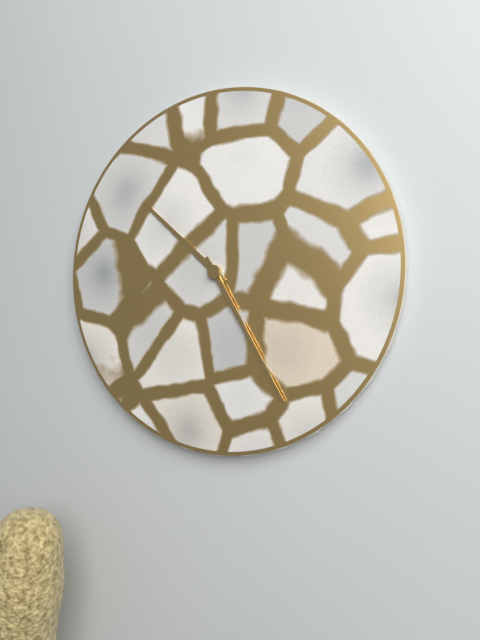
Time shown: 10:25
